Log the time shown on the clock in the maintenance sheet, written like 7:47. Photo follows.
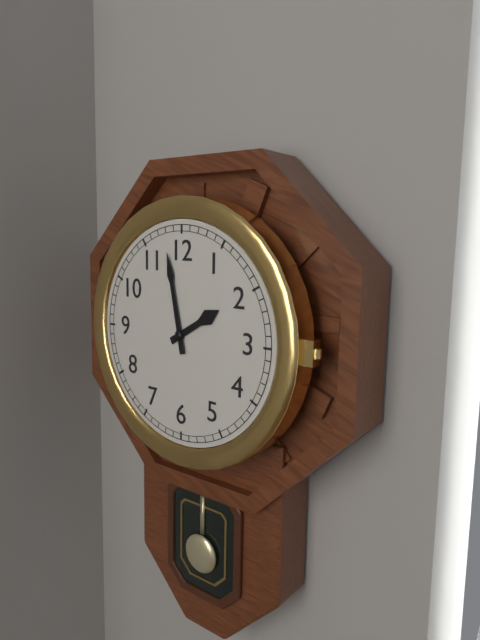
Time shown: 1:58
